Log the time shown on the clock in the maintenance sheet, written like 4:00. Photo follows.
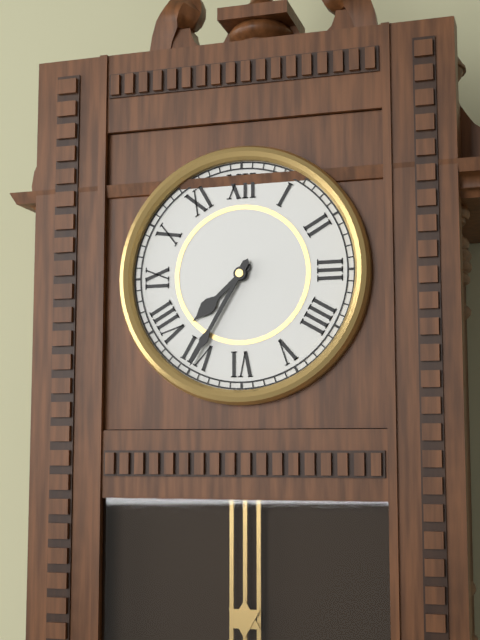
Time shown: 7:35
